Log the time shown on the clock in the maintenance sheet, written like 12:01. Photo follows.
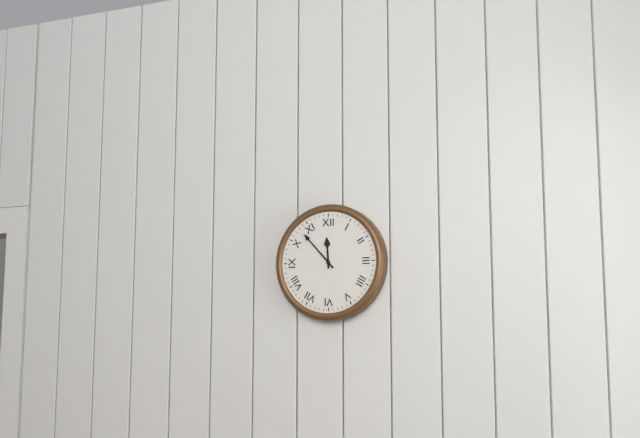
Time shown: 11:53
